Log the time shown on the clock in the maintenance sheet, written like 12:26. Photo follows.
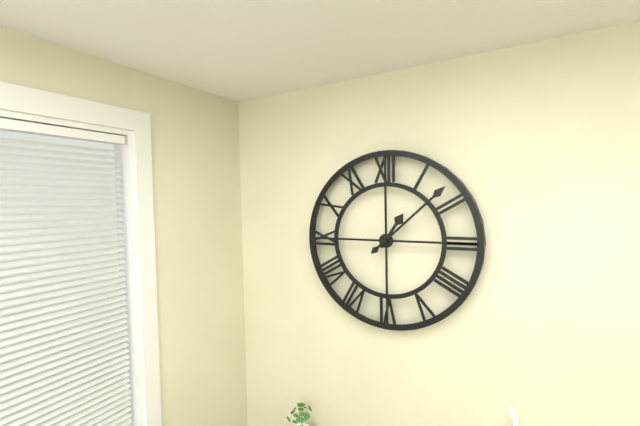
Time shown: 1:08
